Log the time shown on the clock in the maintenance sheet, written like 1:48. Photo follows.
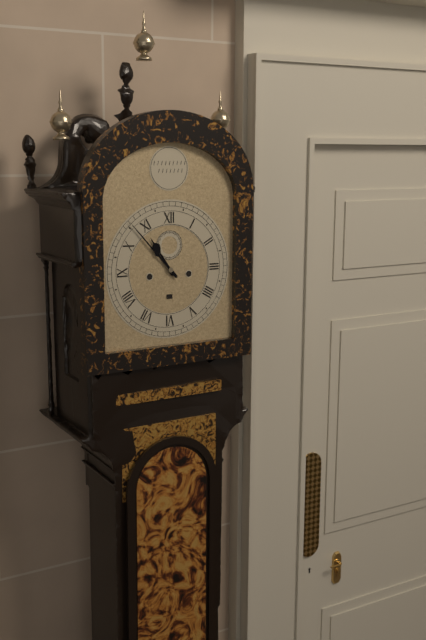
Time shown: 10:53
